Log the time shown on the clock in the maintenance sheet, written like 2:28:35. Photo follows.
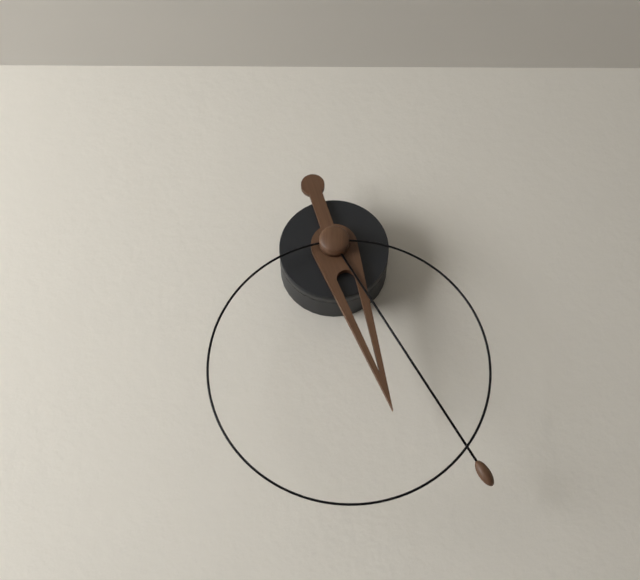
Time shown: 5:25:29
